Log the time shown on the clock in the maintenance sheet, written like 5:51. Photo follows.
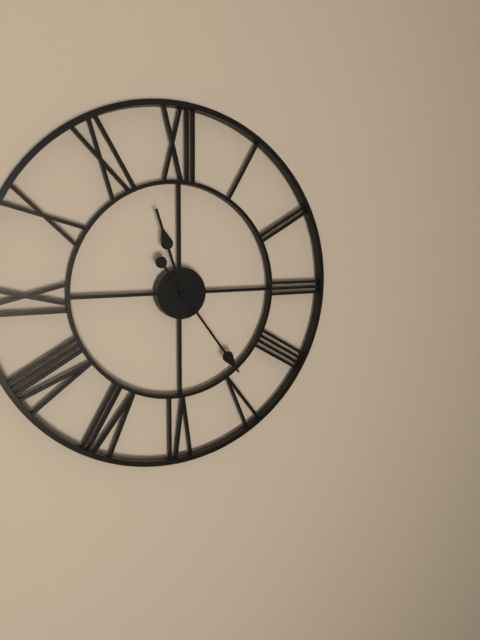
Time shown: 11:24
